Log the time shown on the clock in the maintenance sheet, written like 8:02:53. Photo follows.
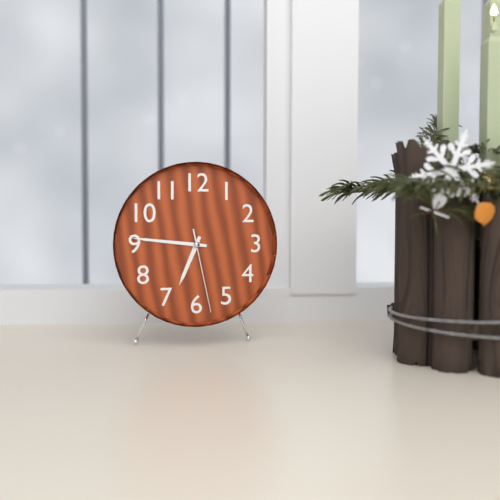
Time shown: 6:46:28
